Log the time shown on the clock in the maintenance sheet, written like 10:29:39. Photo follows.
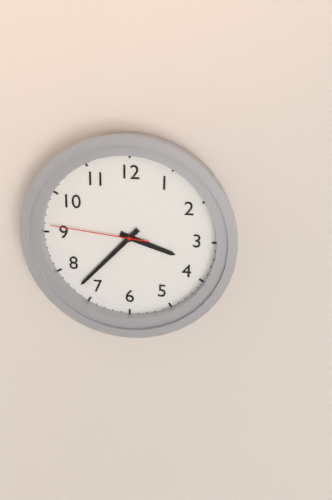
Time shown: 3:37:46
